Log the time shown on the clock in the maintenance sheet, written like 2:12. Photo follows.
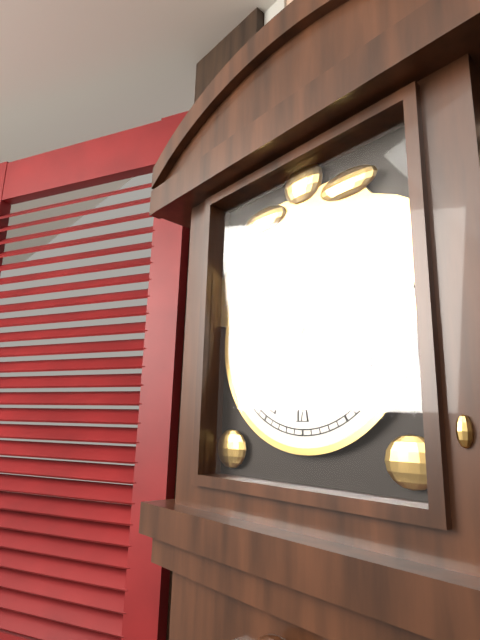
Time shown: 8:56
